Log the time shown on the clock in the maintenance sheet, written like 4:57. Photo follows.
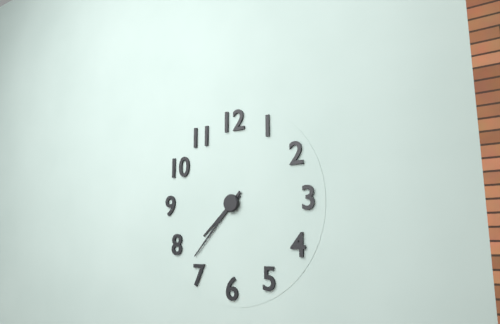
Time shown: 7:37
